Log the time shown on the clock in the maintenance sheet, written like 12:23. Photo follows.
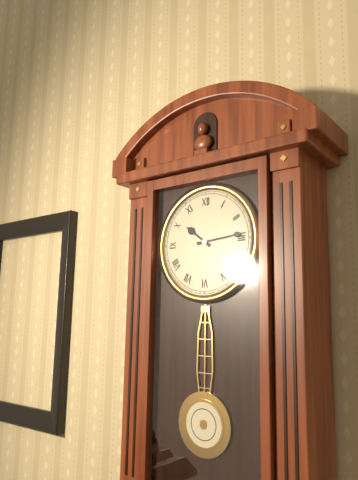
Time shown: 10:14
